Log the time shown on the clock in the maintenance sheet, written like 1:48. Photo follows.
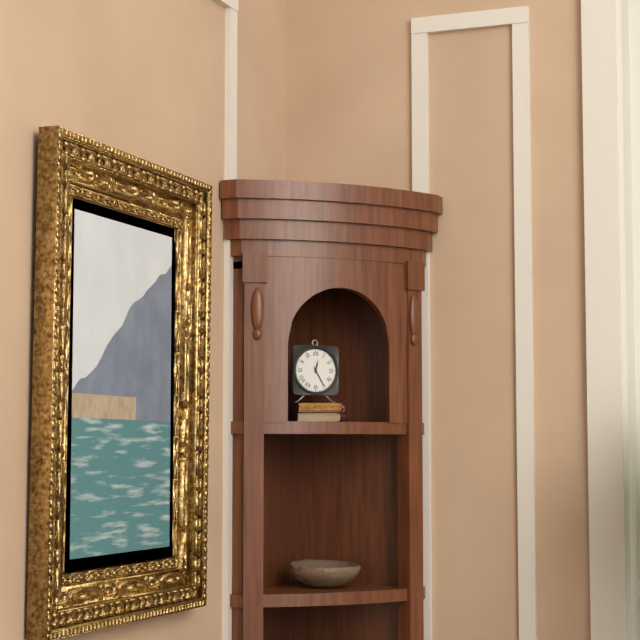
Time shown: 12:25
